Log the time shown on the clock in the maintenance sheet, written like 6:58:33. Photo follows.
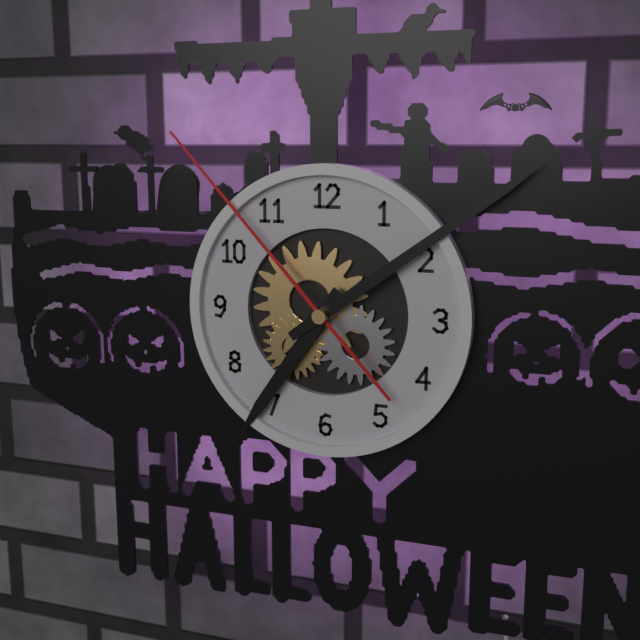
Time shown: 7:09:53
